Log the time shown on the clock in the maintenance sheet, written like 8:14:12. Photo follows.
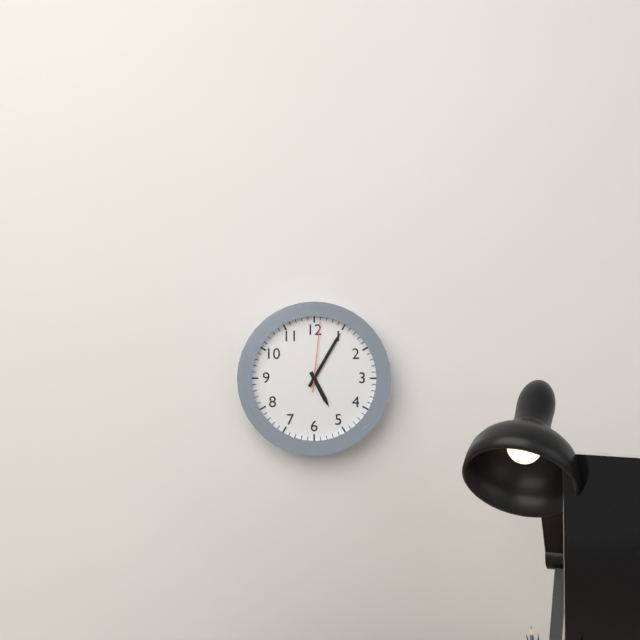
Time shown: 5:05:01
